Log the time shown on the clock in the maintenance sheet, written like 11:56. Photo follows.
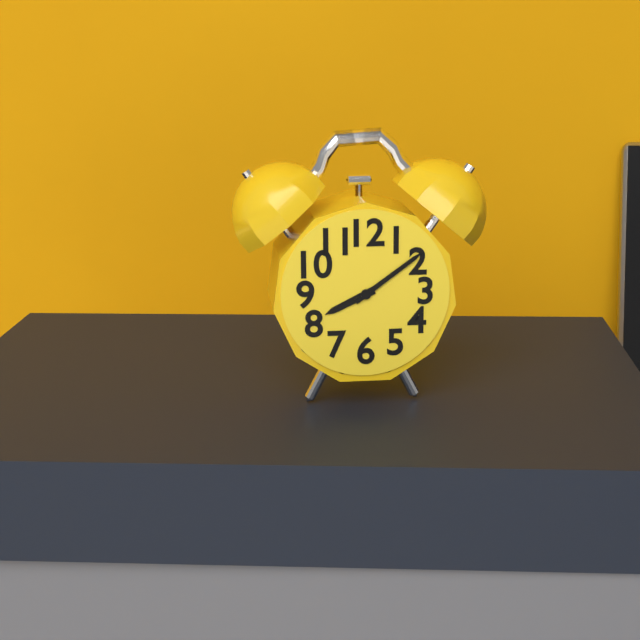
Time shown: 8:09
